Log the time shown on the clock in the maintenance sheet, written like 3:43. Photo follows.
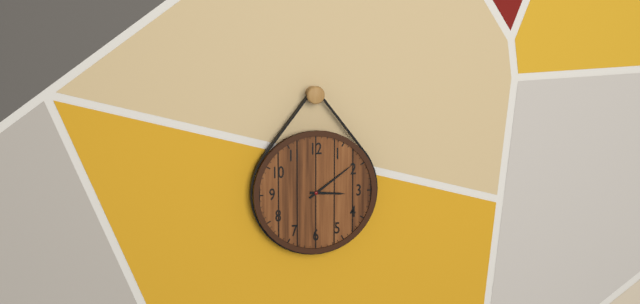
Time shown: 3:09
